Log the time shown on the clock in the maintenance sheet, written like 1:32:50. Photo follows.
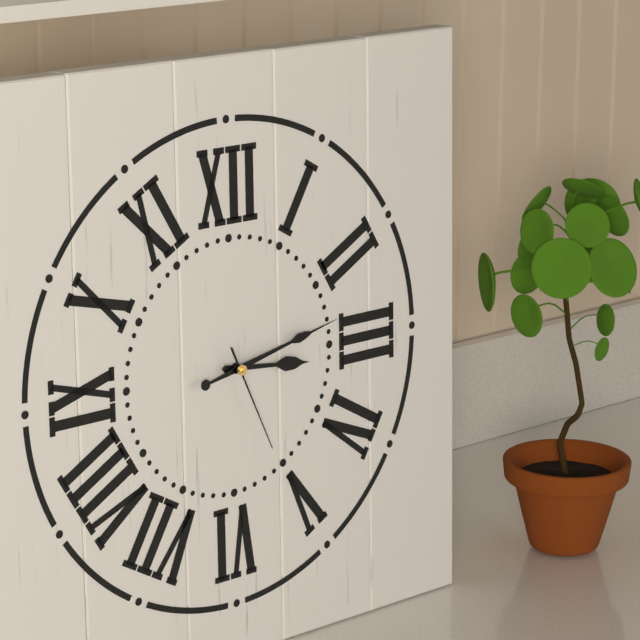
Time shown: 3:13:26
